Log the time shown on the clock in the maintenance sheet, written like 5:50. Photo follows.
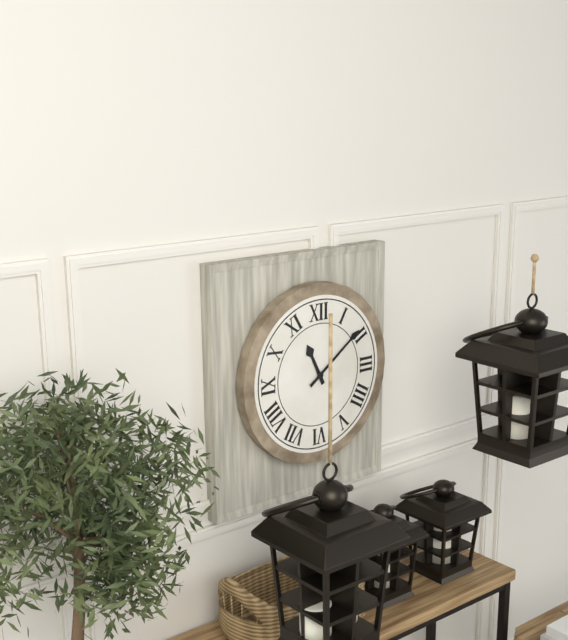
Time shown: 11:09
